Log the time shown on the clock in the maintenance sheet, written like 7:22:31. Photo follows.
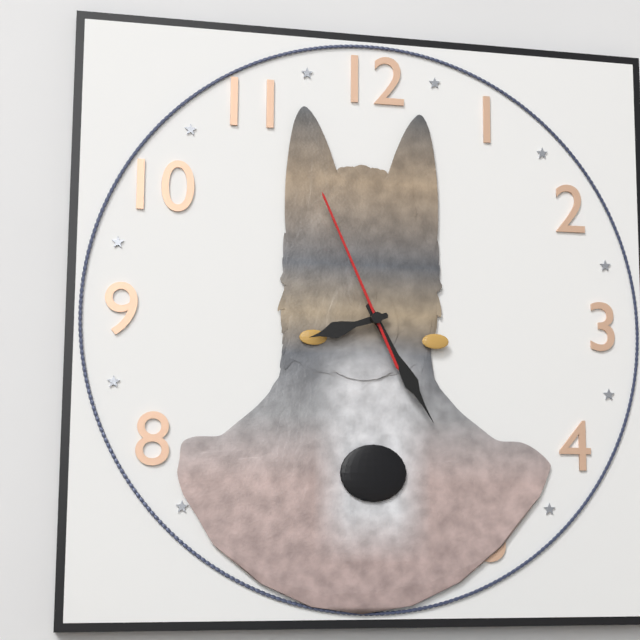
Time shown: 8:25:56
